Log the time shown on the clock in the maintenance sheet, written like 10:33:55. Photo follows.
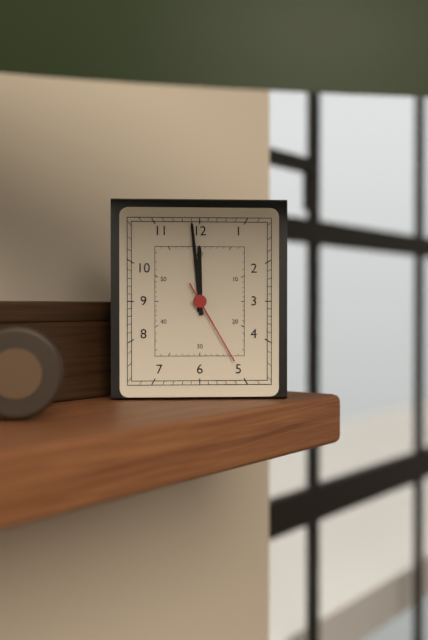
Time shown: 11:59:25
